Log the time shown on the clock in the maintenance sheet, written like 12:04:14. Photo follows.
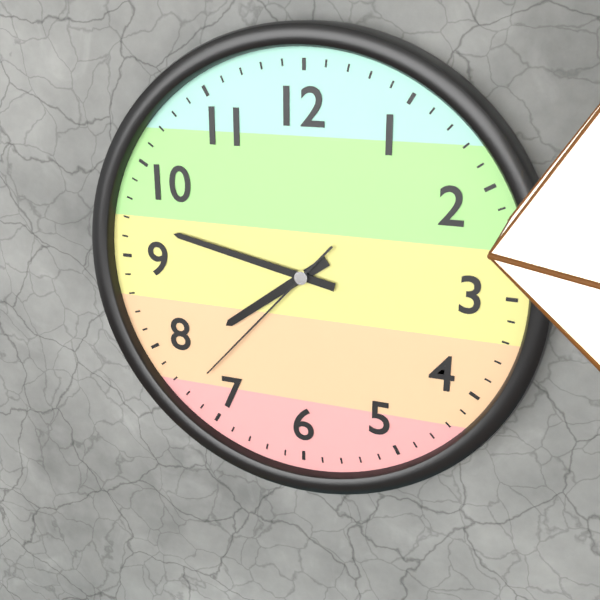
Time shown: 7:47:37
